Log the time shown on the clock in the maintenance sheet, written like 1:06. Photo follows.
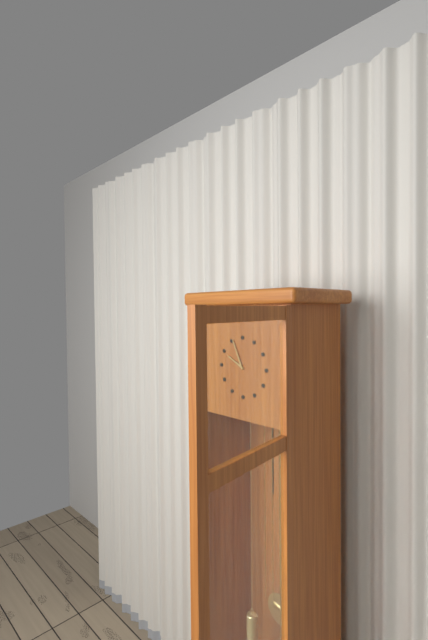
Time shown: 9:56
